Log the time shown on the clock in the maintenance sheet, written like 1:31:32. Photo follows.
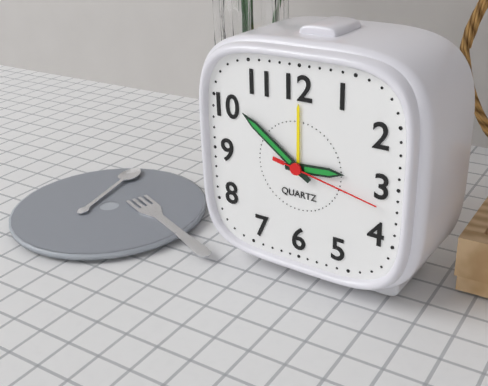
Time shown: 2:51:17
